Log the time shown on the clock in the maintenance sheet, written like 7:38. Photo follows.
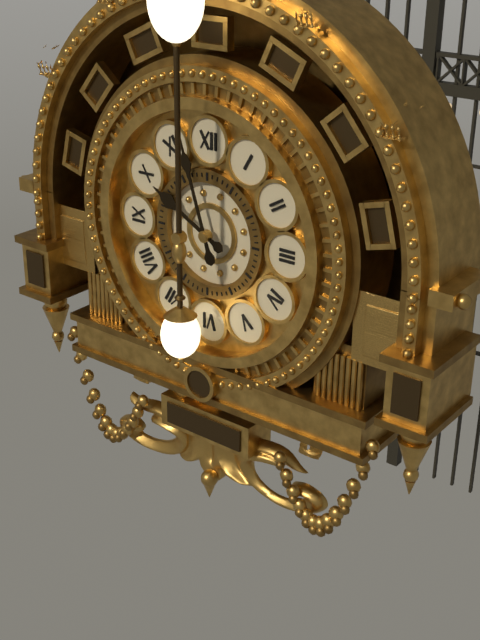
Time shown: 9:57
